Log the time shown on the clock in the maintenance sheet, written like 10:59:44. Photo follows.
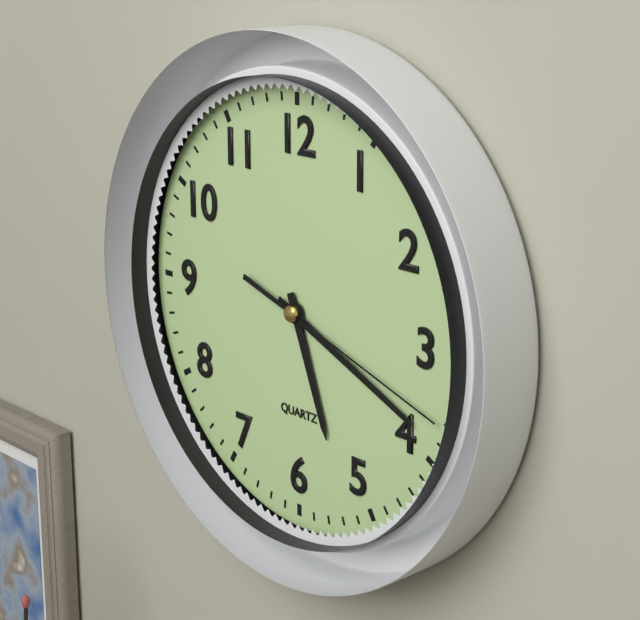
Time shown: 5:19:18
